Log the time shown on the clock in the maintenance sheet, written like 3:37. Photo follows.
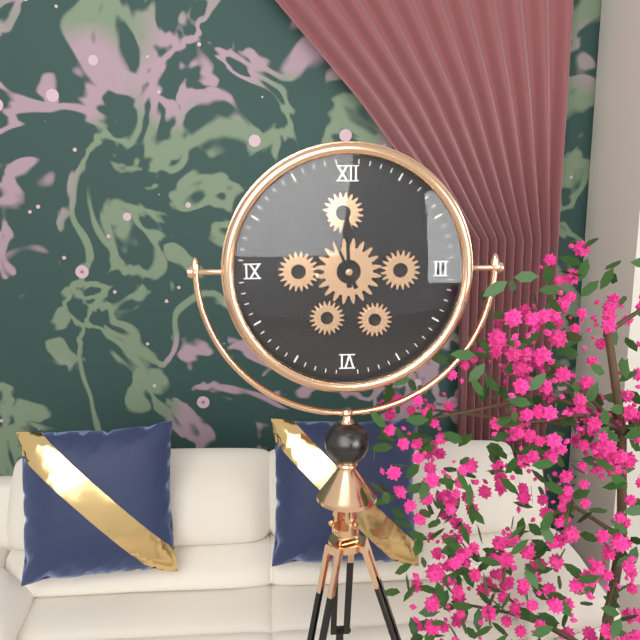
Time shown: 11:56
